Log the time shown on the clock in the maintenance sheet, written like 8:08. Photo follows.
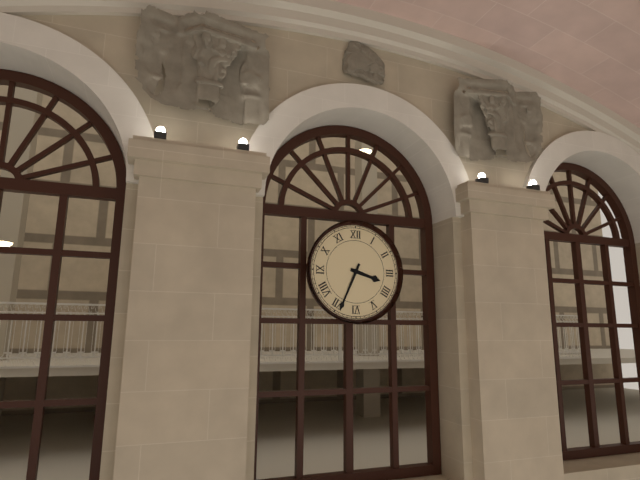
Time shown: 3:34
